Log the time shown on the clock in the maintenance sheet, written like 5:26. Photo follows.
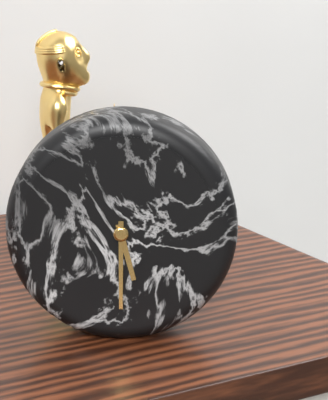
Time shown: 5:30
